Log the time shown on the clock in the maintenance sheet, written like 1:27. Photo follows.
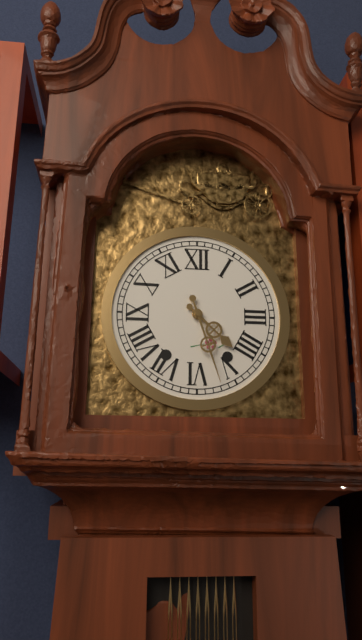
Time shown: 4:27
